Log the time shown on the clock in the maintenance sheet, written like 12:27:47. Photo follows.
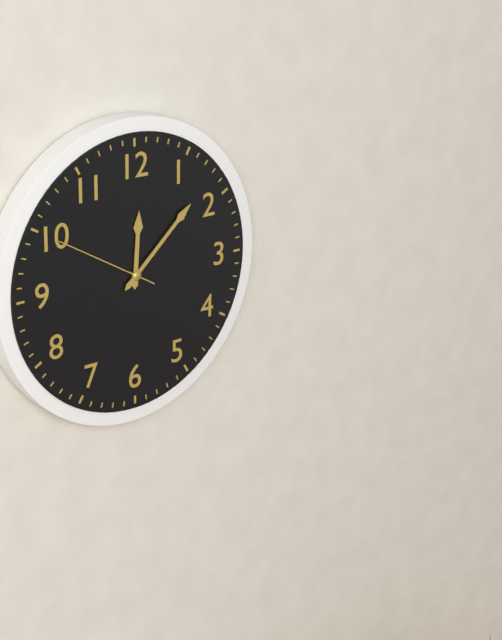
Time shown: 12:08:50
